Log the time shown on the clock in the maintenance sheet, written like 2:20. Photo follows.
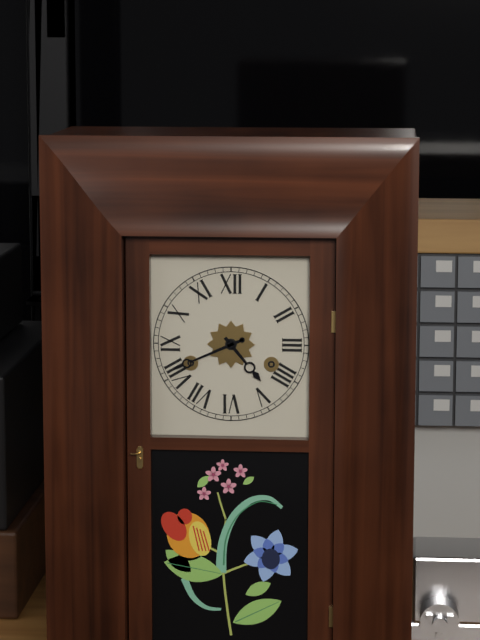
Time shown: 4:41
